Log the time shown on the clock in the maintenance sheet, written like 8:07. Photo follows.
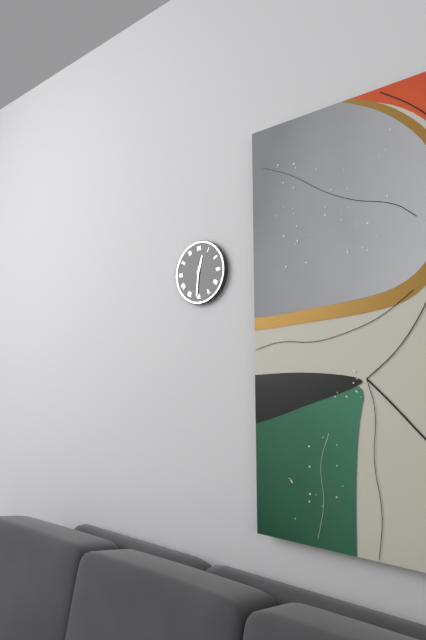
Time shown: 12:31
